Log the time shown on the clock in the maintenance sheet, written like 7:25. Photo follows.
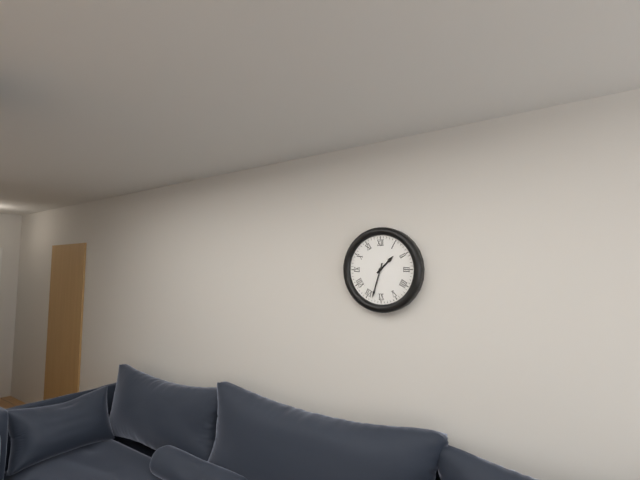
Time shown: 1:33
